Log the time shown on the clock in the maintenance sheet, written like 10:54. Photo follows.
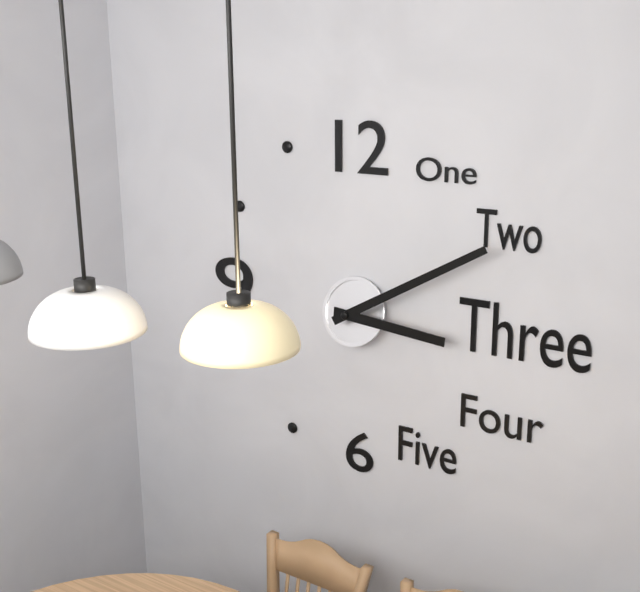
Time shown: 3:10
